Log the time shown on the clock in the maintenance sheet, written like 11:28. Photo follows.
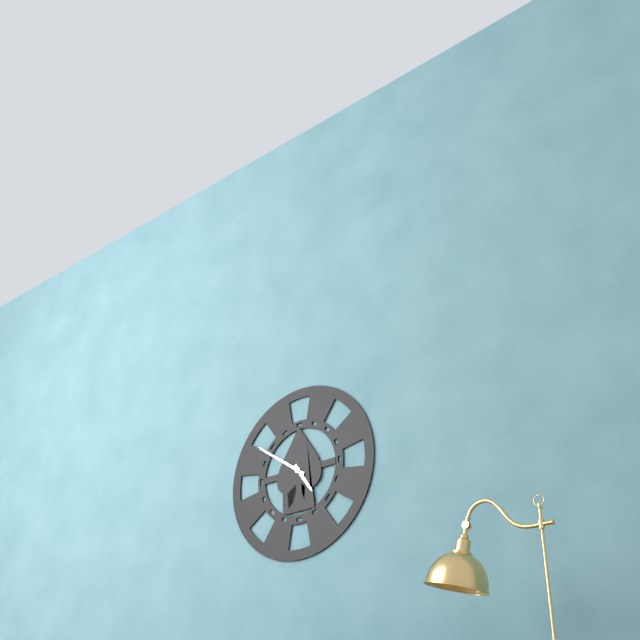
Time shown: 4:51
